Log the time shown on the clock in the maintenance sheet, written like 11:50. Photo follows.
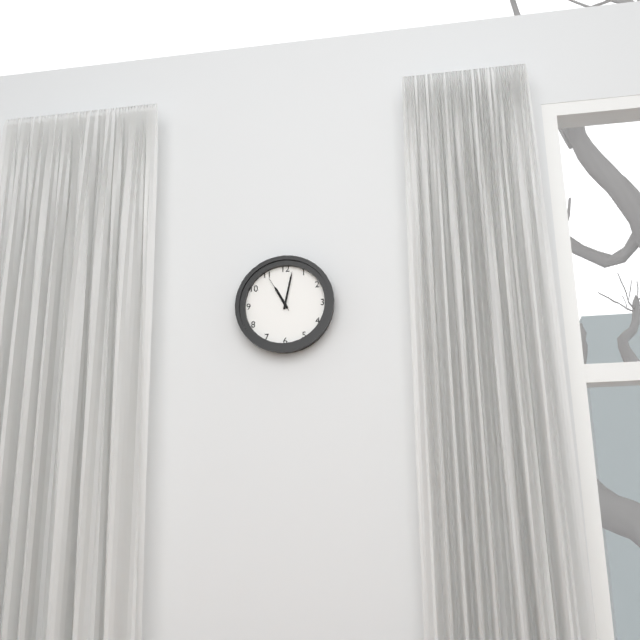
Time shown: 11:02
